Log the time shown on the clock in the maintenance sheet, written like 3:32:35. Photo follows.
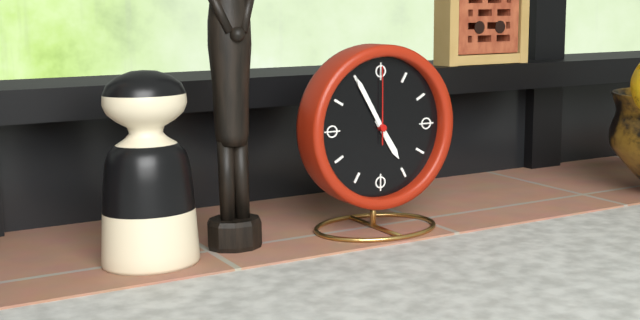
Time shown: 4:55:00
